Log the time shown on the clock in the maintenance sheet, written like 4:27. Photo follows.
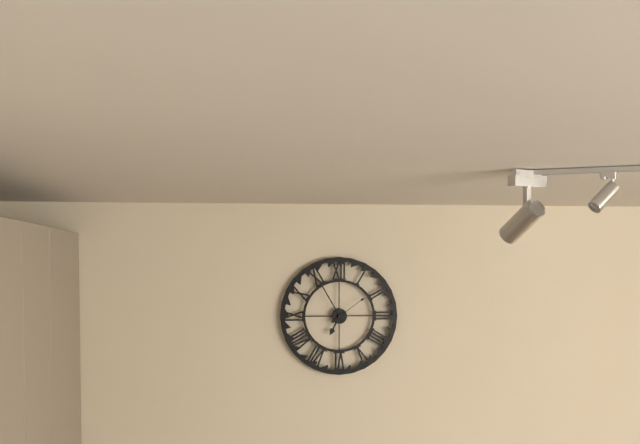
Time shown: 6:55
